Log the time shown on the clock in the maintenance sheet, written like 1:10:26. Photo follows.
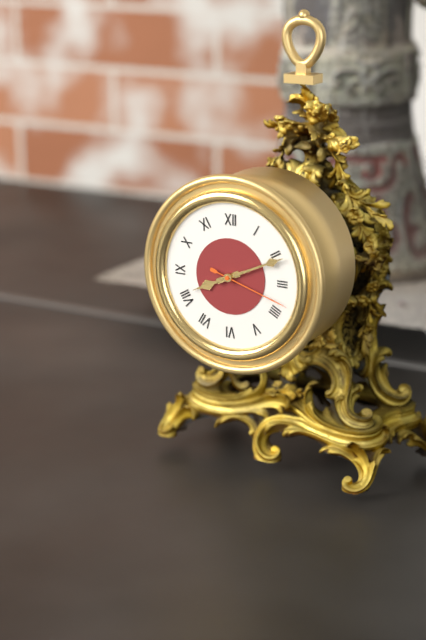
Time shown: 8:11:18
